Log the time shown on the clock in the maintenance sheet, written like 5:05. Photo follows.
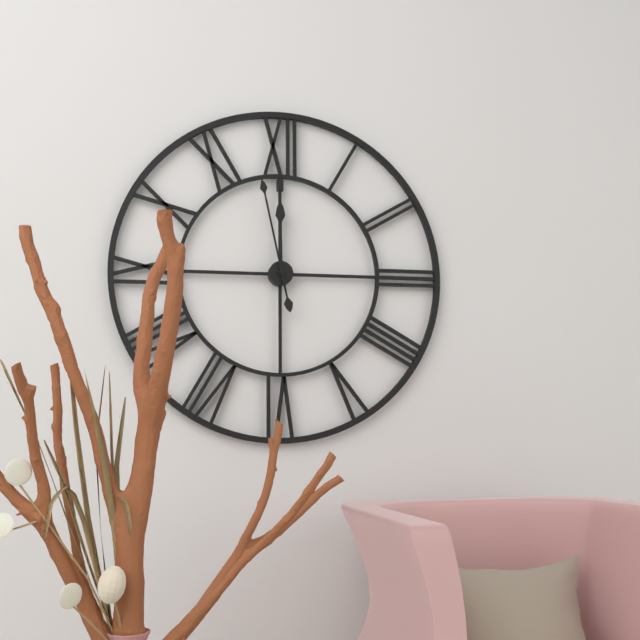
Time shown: 11:58
